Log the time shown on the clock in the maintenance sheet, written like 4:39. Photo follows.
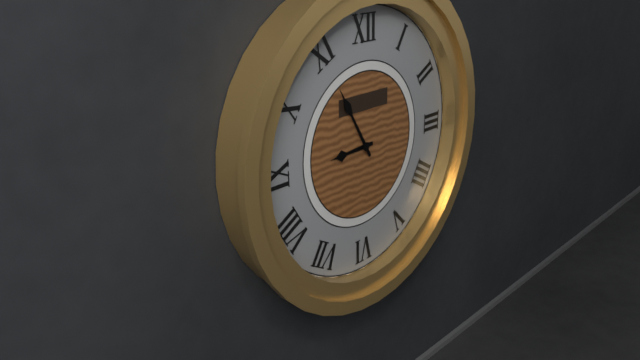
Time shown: 8:55
